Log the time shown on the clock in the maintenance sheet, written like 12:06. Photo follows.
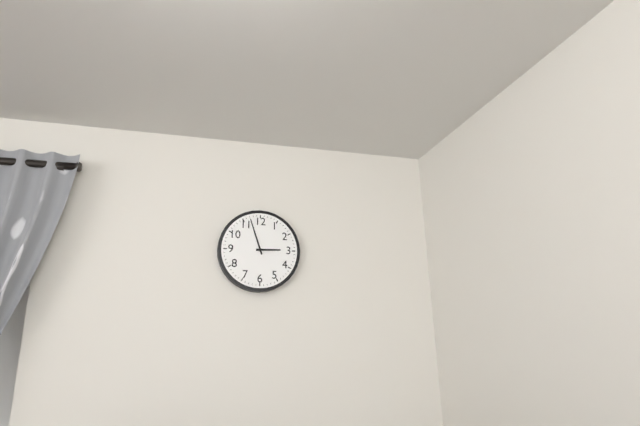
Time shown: 2:57
